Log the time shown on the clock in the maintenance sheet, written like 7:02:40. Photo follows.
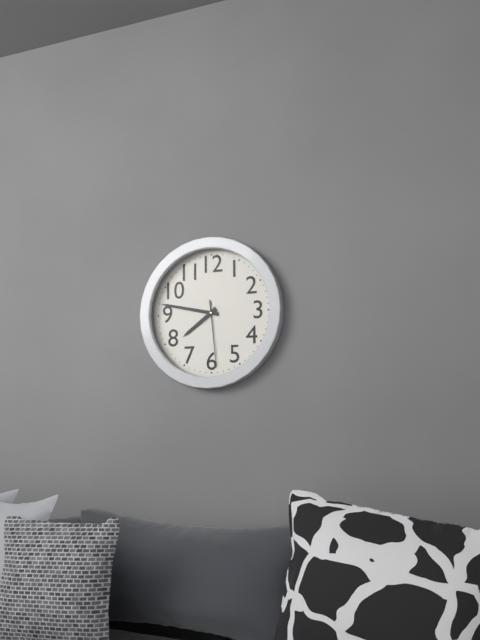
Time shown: 7:47:29
